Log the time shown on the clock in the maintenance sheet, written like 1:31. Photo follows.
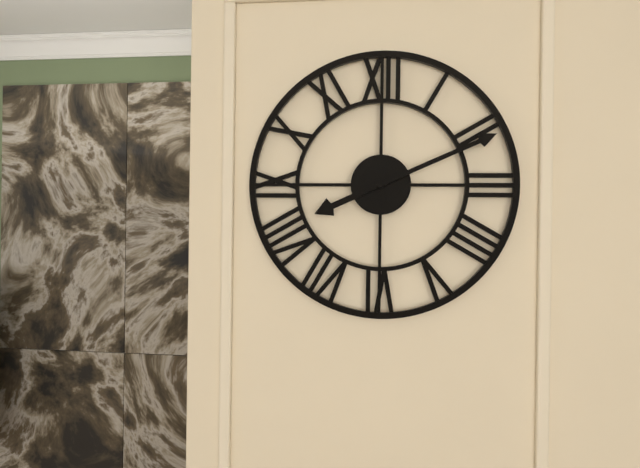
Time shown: 8:11
